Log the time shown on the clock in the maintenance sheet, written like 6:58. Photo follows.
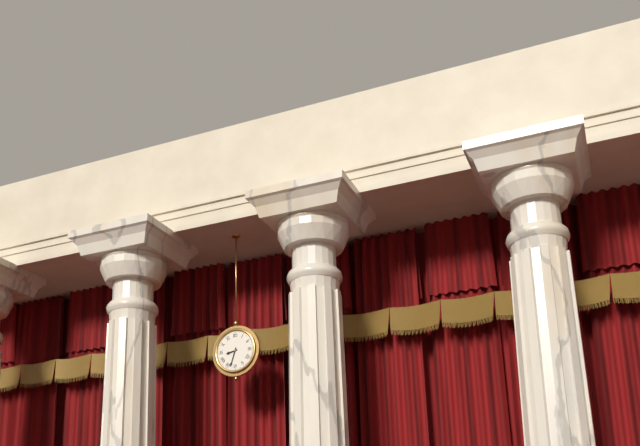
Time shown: 8:33
